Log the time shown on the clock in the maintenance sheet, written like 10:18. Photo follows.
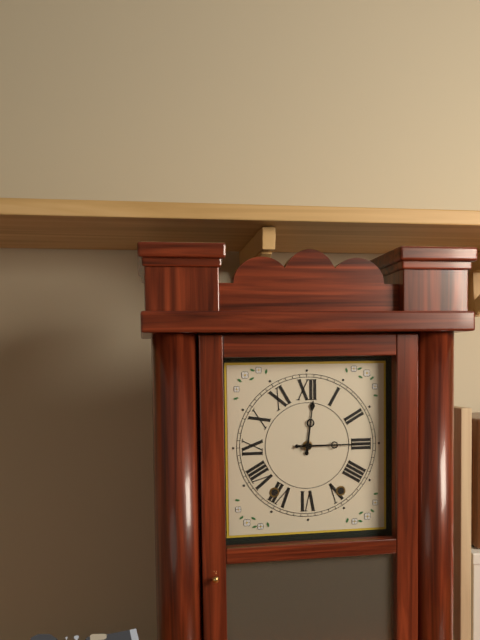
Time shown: 12:15
